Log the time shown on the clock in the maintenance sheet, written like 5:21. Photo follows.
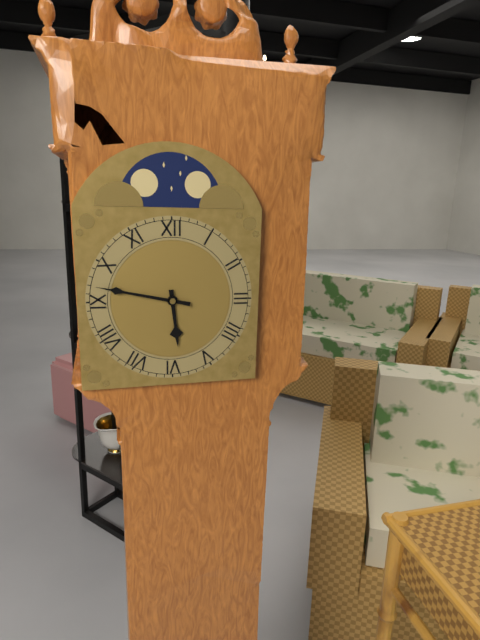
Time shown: 5:47
